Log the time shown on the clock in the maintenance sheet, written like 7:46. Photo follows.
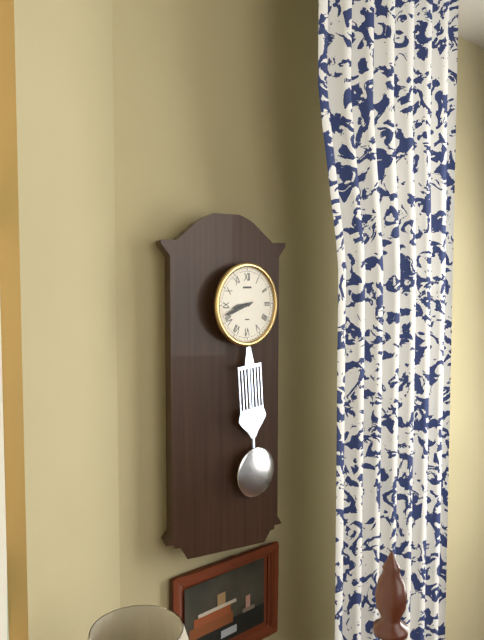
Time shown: 8:42
